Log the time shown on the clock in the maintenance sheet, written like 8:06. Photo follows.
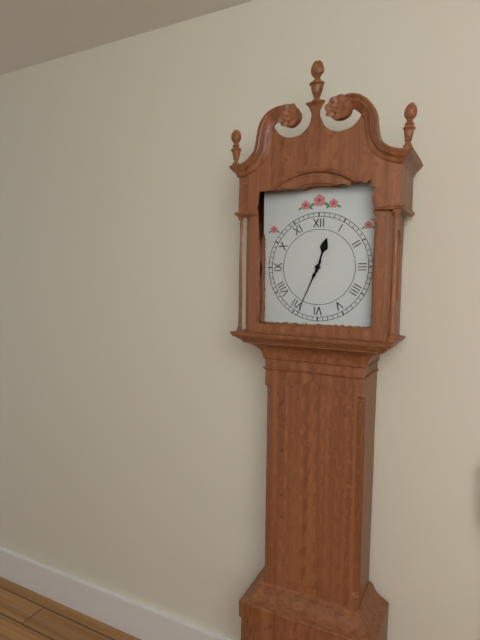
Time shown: 12:34
